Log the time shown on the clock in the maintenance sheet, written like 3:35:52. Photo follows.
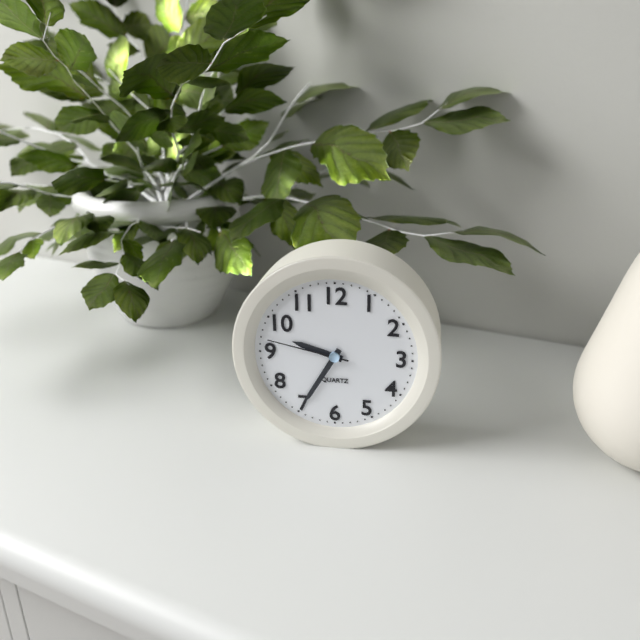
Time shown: 9:35:47
